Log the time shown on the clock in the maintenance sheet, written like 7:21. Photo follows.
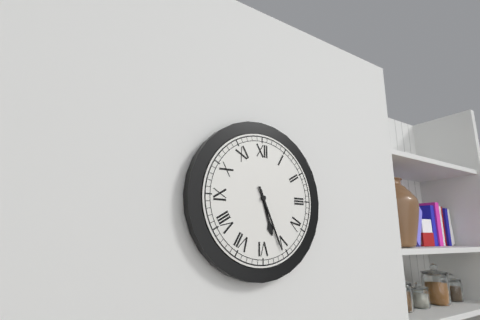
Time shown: 5:26
